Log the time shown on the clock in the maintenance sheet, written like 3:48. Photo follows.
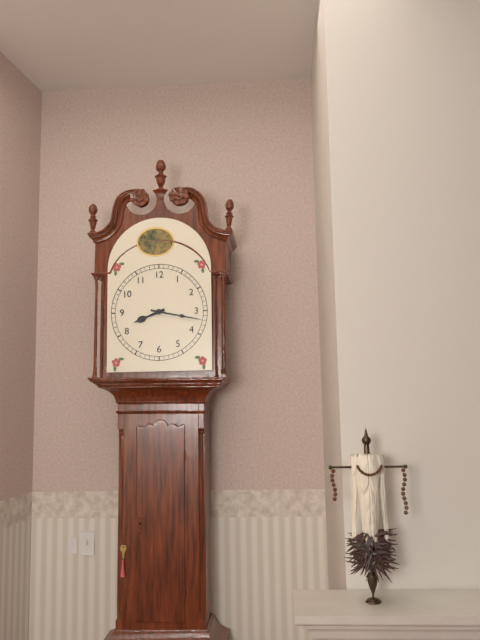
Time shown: 8:17
